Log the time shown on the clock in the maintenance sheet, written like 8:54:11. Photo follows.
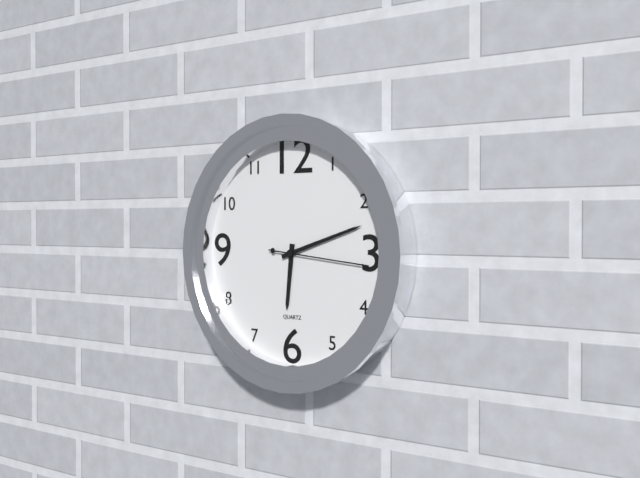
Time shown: 6:12:16
